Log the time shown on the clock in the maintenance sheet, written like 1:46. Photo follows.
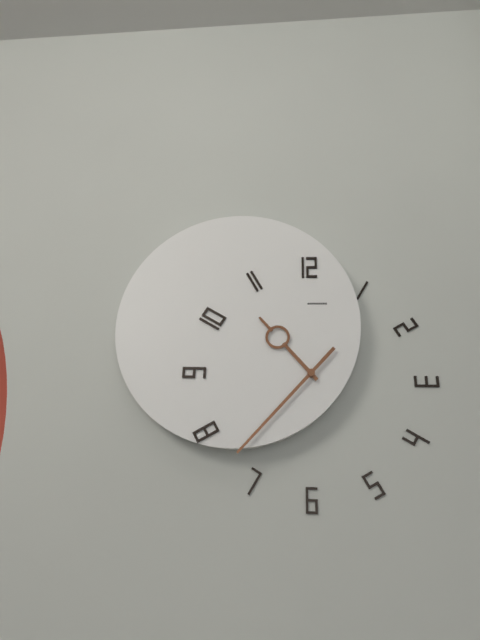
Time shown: 10:37
